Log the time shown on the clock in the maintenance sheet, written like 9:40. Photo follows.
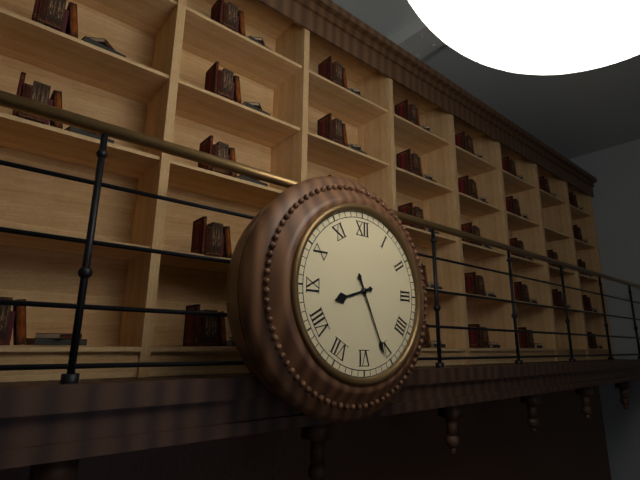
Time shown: 8:26
